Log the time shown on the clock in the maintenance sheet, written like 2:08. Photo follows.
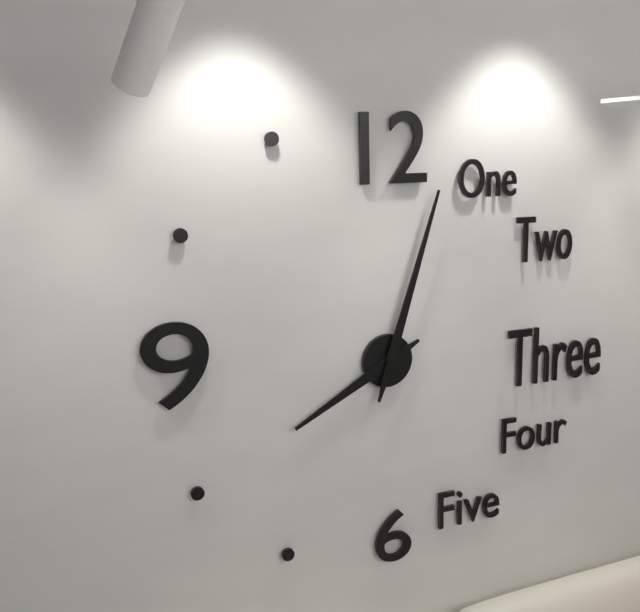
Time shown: 8:03
